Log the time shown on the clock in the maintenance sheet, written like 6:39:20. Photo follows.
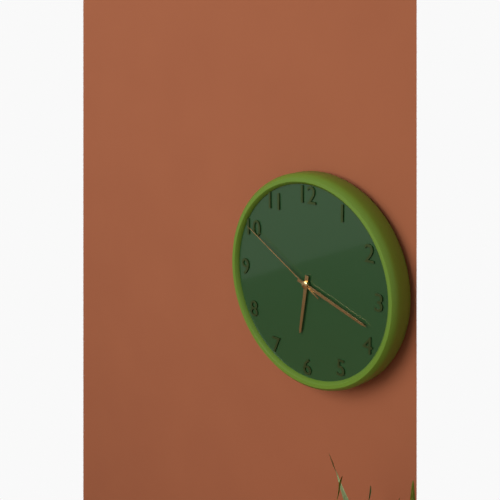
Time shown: 6:18:50
